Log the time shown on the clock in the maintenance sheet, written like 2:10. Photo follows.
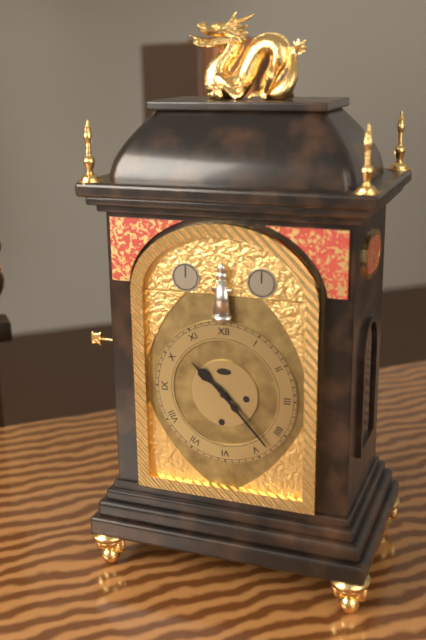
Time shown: 10:23
